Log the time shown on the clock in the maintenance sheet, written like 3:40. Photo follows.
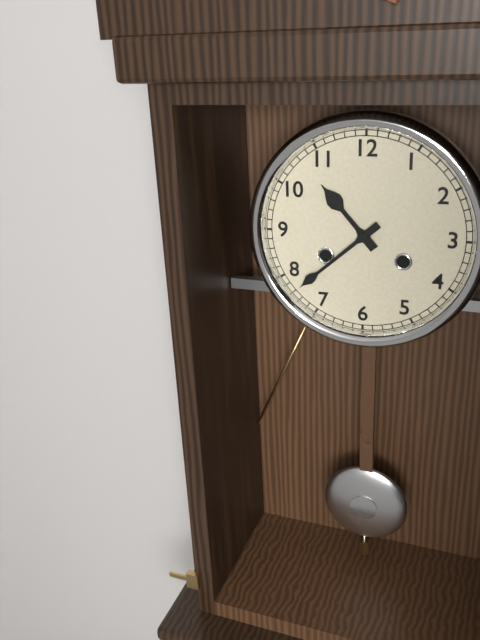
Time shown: 10:38
